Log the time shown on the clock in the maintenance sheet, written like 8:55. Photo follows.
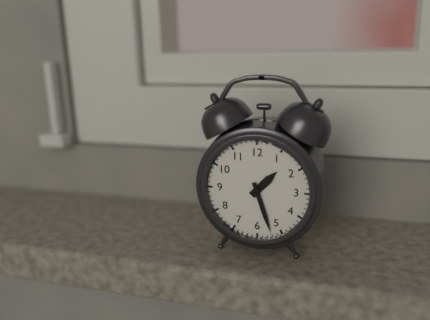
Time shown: 1:27
